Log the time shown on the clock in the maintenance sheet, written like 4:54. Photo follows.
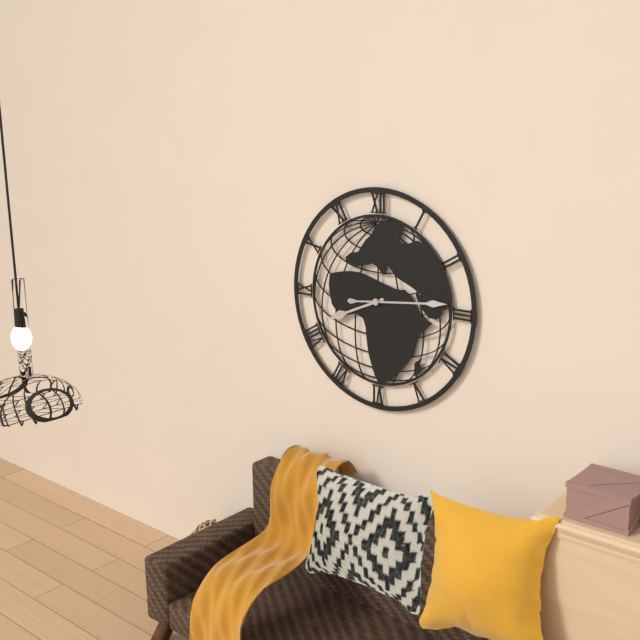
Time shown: 8:14
